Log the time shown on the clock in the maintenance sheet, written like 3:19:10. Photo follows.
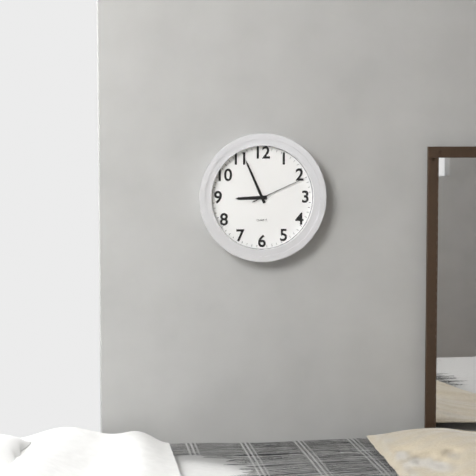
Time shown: 8:56:11
